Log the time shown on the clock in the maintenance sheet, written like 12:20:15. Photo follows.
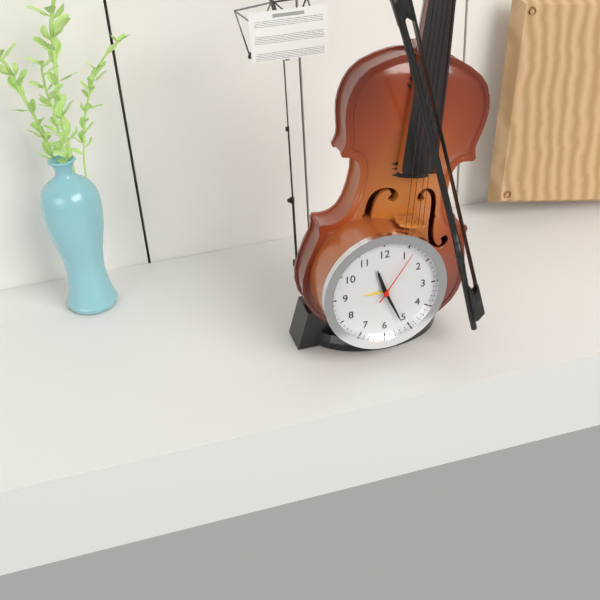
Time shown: 11:26:06
